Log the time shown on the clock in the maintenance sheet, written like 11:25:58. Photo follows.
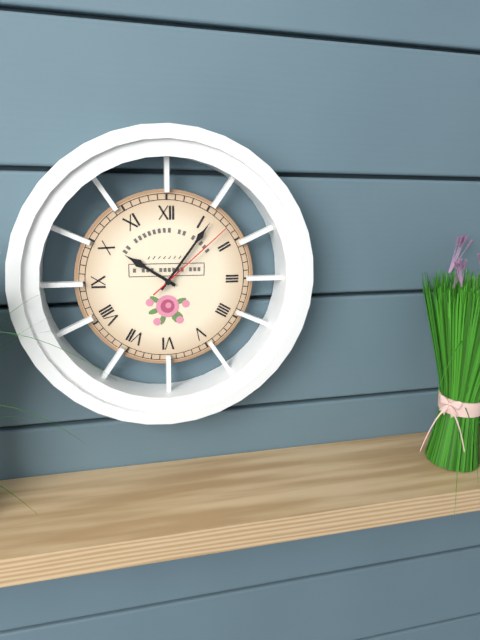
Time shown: 10:06:08
